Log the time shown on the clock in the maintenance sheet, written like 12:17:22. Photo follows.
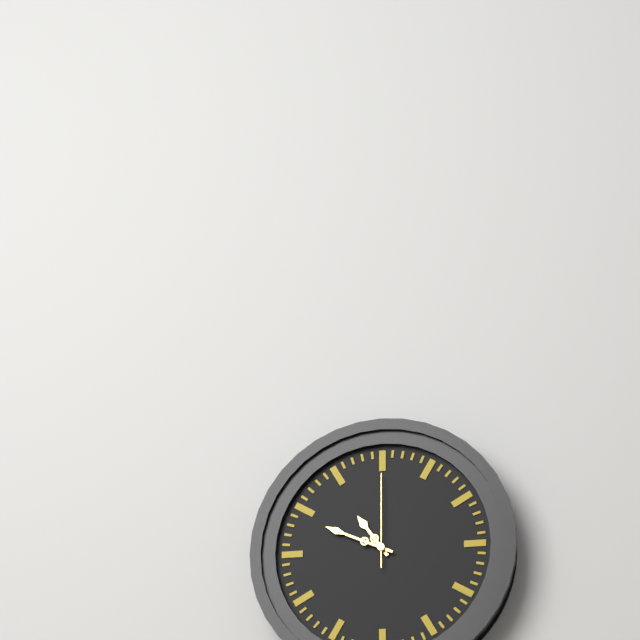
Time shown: 10:49:00
